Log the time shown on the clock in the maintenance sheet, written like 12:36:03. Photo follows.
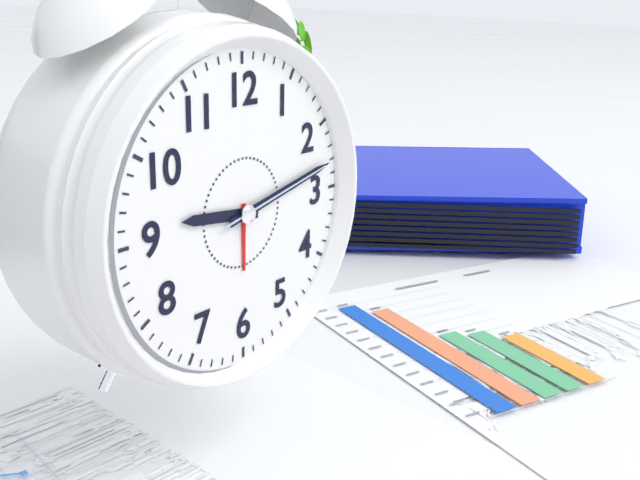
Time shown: 9:13:13
